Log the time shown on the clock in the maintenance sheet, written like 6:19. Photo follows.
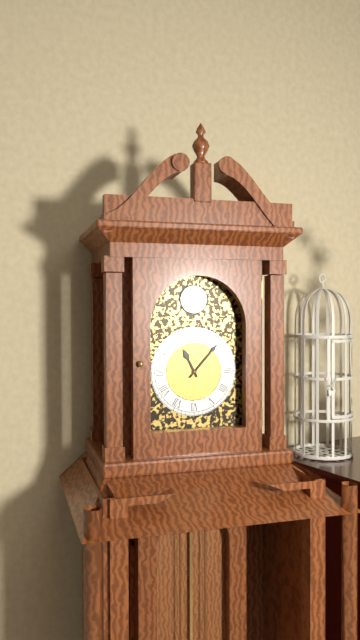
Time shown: 11:07
